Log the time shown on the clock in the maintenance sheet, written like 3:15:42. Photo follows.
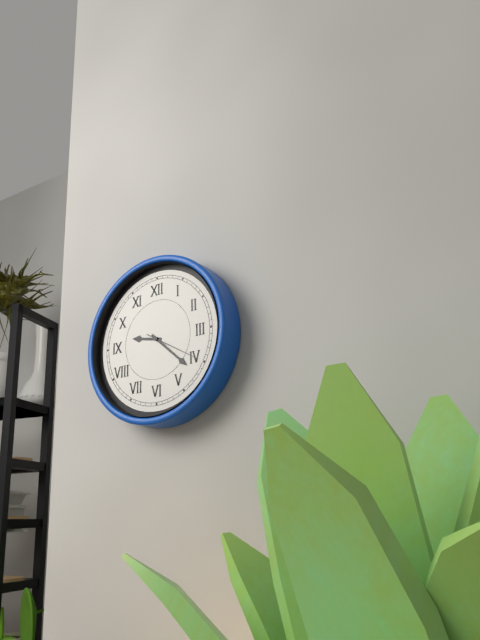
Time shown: 9:22:20
